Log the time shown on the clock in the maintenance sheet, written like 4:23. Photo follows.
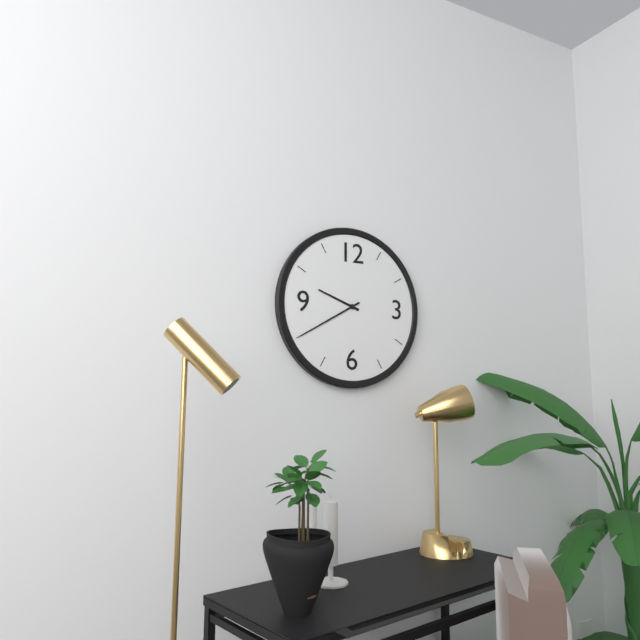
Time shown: 9:40
